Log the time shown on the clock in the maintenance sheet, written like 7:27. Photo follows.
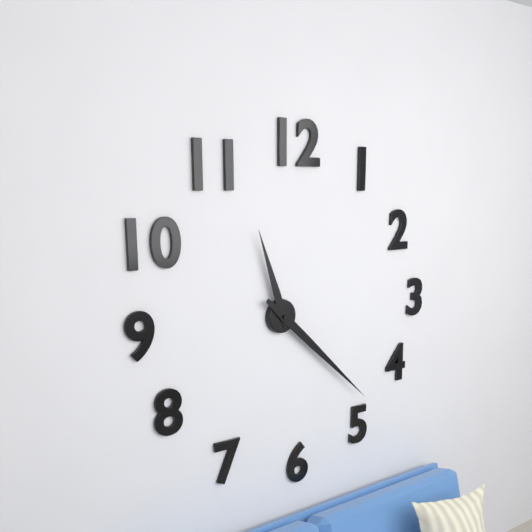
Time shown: 11:22
